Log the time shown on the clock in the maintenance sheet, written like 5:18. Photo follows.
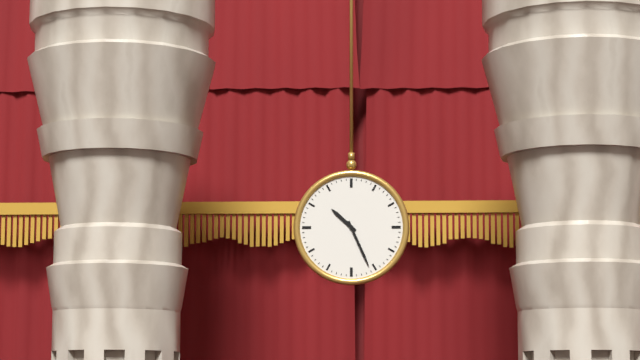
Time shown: 10:26
